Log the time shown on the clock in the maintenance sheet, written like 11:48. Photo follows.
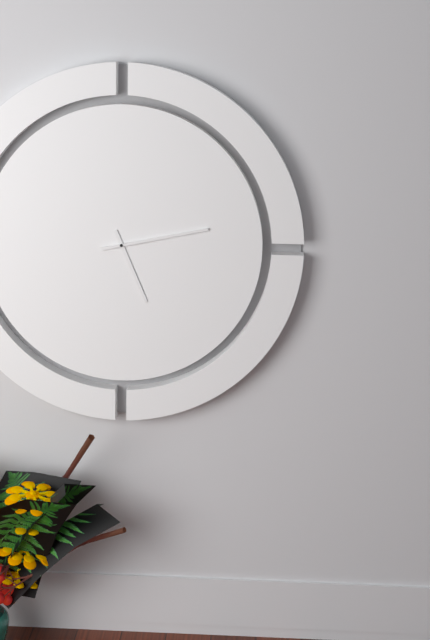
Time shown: 5:13
